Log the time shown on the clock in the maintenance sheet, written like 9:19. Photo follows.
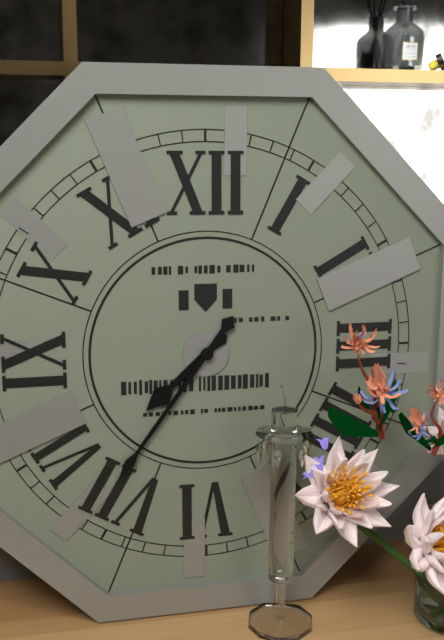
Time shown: 7:36
